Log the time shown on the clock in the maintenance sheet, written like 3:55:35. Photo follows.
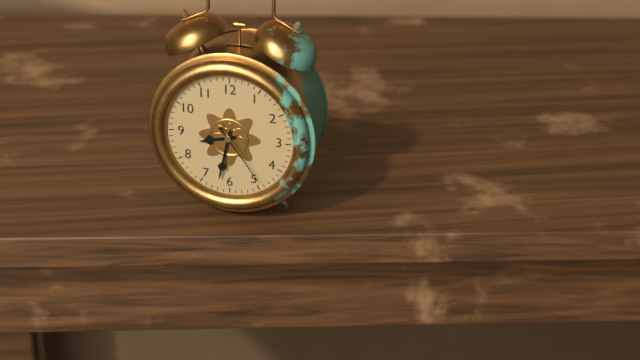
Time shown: 8:32:24
